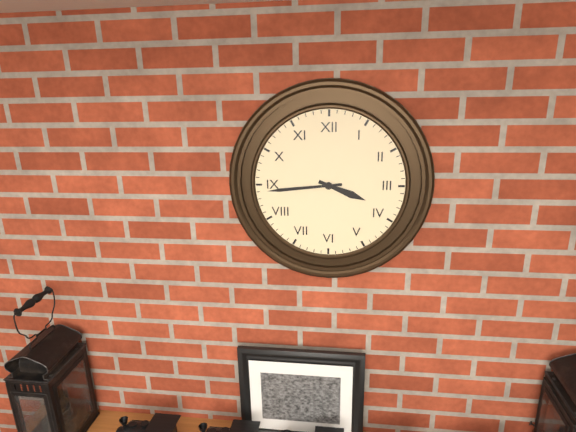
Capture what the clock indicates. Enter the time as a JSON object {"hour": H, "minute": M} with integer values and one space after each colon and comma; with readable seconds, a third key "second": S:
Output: {"hour": 3, "minute": 44}
